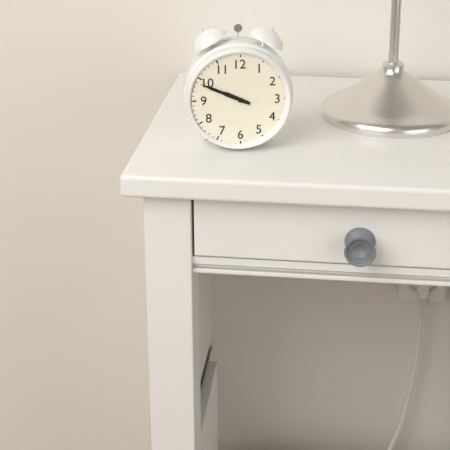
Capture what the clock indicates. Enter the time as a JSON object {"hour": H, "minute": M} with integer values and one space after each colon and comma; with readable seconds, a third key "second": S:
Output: {"hour": 9, "minute": 49}
